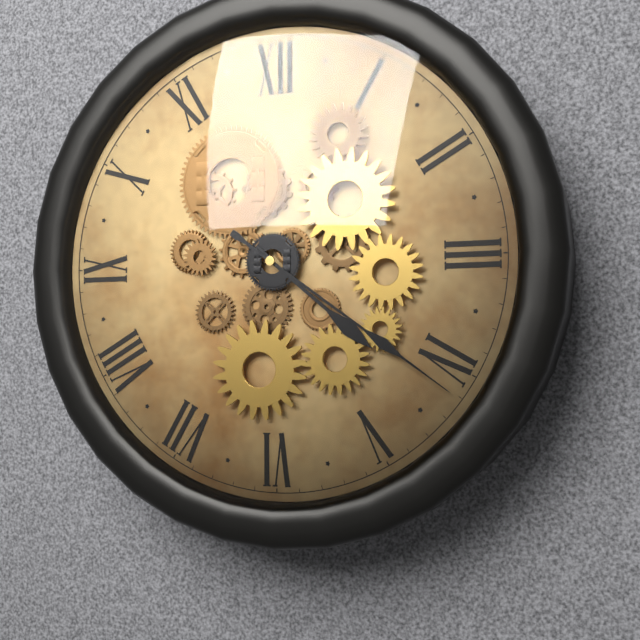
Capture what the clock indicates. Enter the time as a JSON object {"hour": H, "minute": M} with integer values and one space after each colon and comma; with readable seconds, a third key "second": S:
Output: {"hour": 4, "minute": 21}
